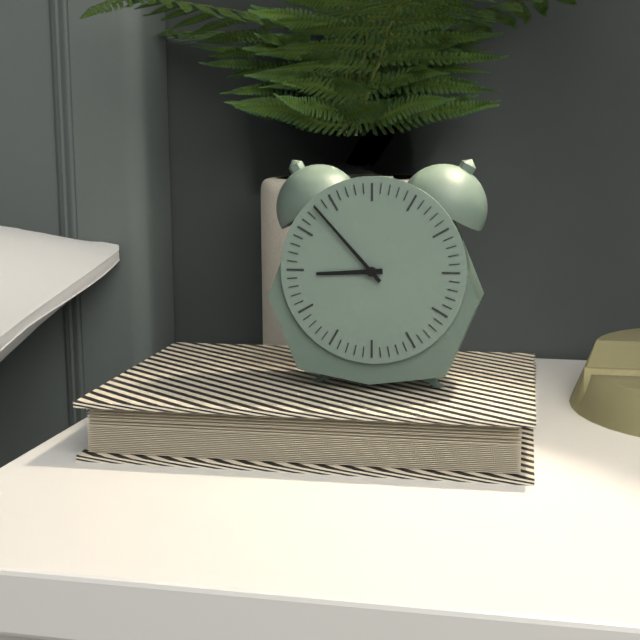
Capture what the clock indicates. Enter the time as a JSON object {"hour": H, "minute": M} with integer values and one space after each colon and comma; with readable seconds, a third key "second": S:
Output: {"hour": 8, "minute": 53}
